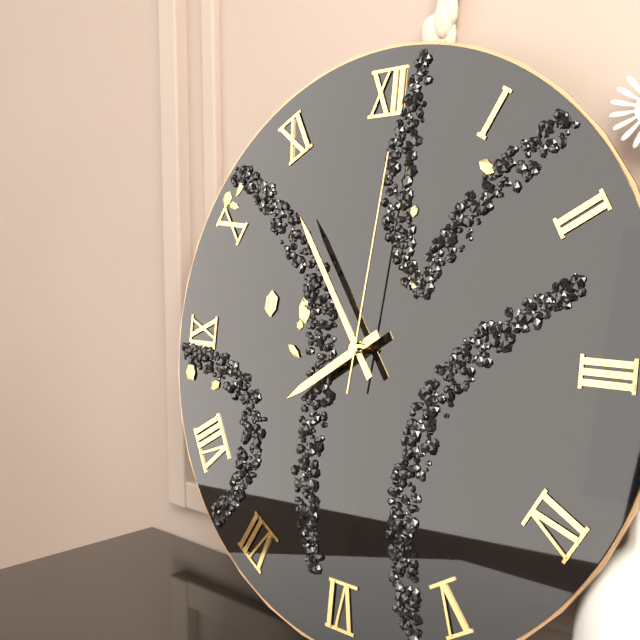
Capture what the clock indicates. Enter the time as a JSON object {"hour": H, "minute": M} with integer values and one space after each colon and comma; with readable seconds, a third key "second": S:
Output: {"hour": 7, "minute": 54, "second": 1}
